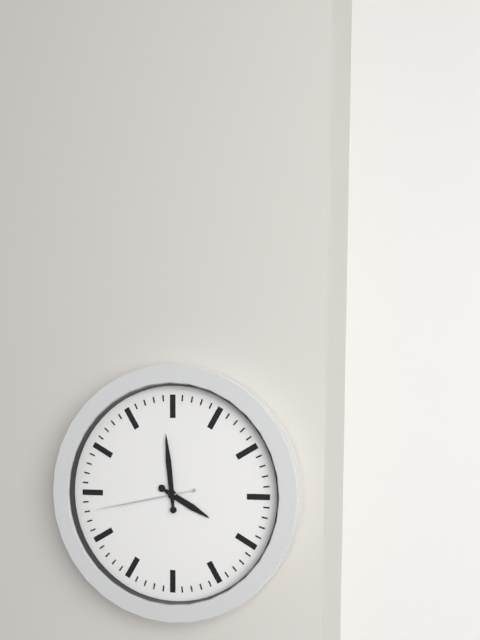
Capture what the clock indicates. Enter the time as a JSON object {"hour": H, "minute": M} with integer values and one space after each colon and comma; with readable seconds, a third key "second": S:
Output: {"hour": 3, "minute": 59, "second": 43}
